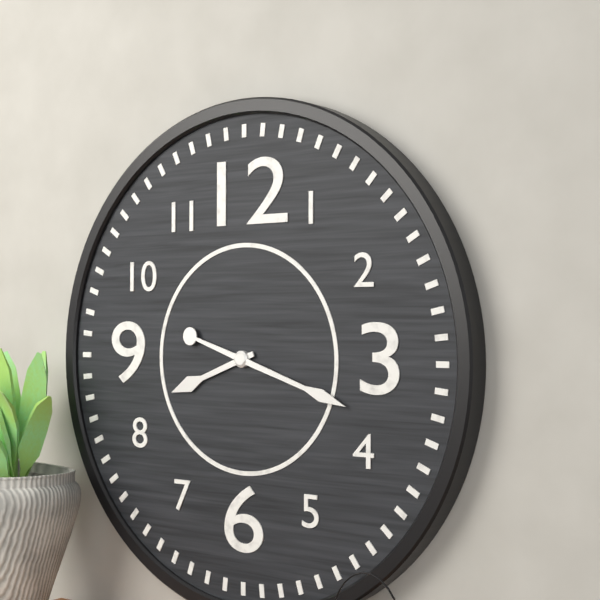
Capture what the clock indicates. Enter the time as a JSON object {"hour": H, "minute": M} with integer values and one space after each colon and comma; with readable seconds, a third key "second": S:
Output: {"hour": 8, "minute": 18}
